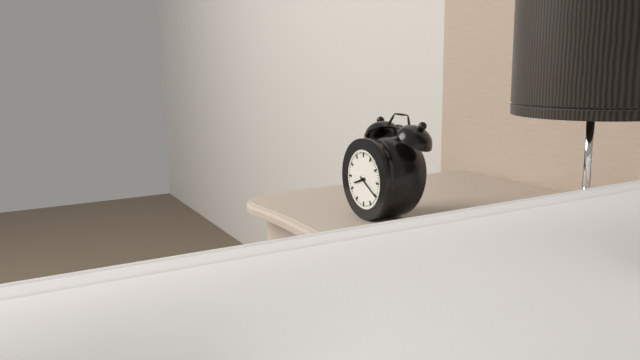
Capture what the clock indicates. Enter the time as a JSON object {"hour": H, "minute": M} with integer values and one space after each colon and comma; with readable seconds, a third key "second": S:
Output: {"hour": 8, "minute": 20}
